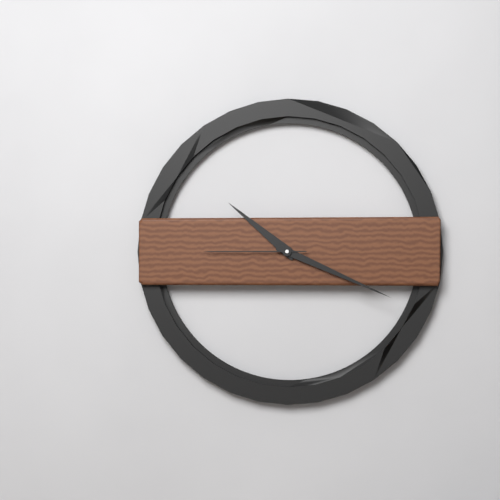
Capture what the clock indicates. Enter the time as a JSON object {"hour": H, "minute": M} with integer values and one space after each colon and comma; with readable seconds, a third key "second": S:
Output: {"hour": 10, "minute": 19, "second": 45}
